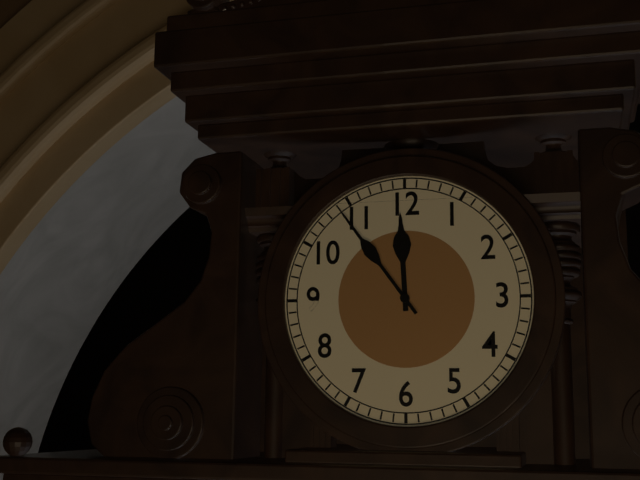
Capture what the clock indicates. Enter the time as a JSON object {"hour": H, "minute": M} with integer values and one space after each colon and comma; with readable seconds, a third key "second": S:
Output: {"hour": 11, "minute": 54}
